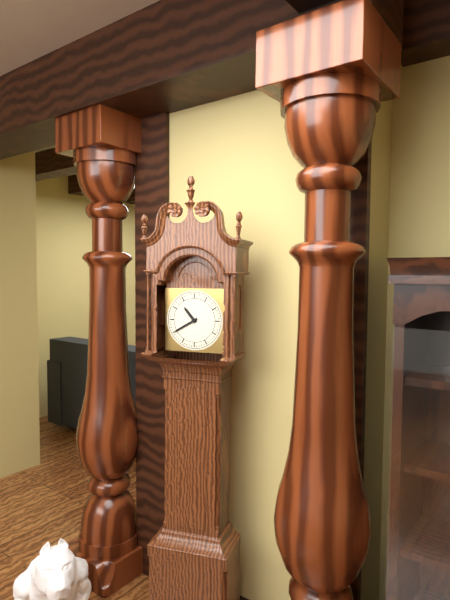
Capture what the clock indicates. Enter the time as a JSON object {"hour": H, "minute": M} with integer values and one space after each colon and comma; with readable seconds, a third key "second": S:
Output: {"hour": 10, "minute": 40}
